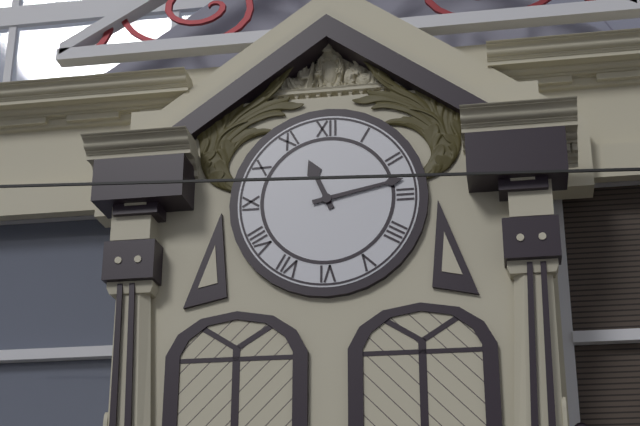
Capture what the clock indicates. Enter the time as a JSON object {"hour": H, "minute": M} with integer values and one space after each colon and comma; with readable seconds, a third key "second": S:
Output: {"hour": 11, "minute": 13}
